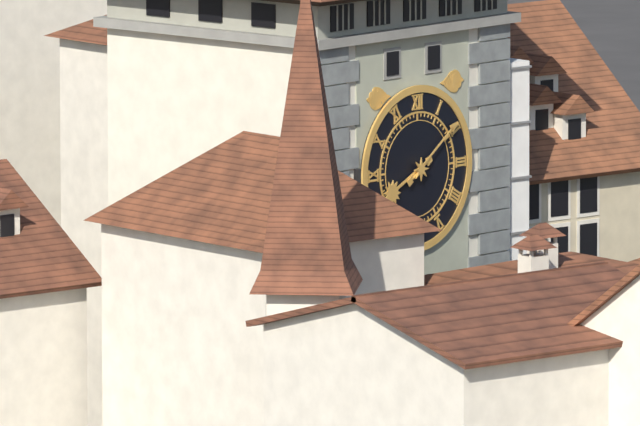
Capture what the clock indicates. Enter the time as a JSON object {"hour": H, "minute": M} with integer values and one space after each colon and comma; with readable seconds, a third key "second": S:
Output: {"hour": 8, "minute": 9}
